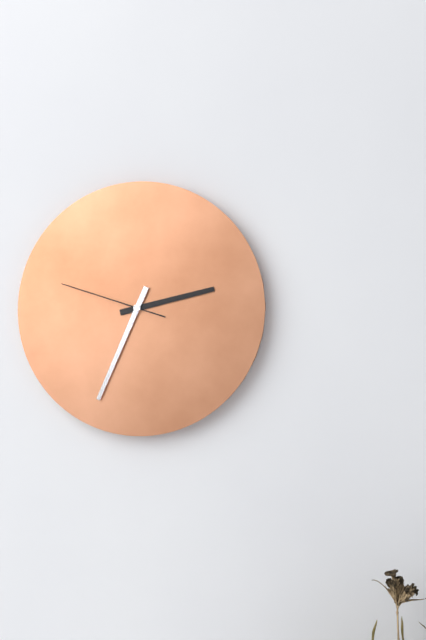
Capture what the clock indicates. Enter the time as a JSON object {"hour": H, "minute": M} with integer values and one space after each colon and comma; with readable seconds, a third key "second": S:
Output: {"hour": 2, "minute": 34, "second": 48}
